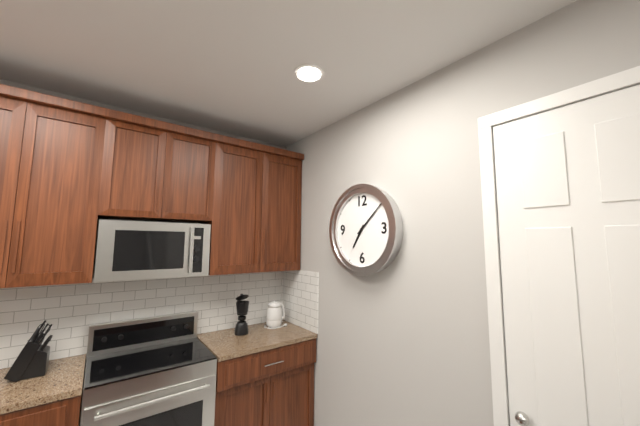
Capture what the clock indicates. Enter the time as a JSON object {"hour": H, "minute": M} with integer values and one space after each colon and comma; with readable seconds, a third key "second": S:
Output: {"hour": 7, "minute": 8}
